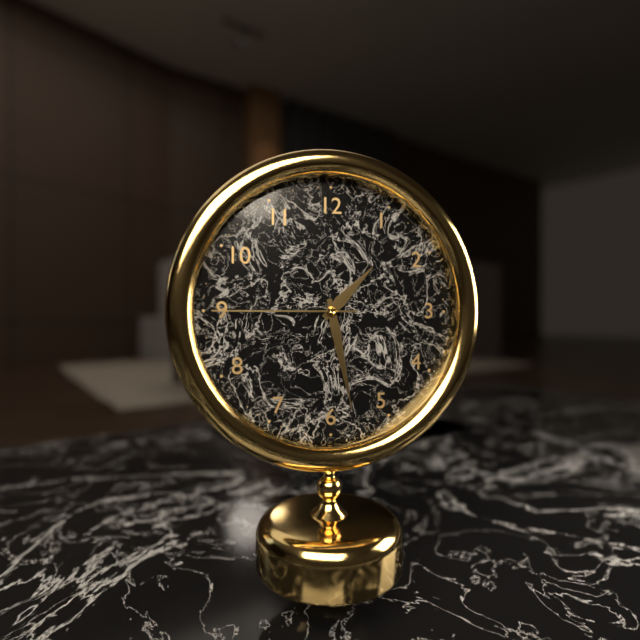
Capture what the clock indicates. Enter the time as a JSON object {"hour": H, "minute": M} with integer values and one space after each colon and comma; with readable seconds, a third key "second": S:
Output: {"hour": 1, "minute": 28, "second": 45}
